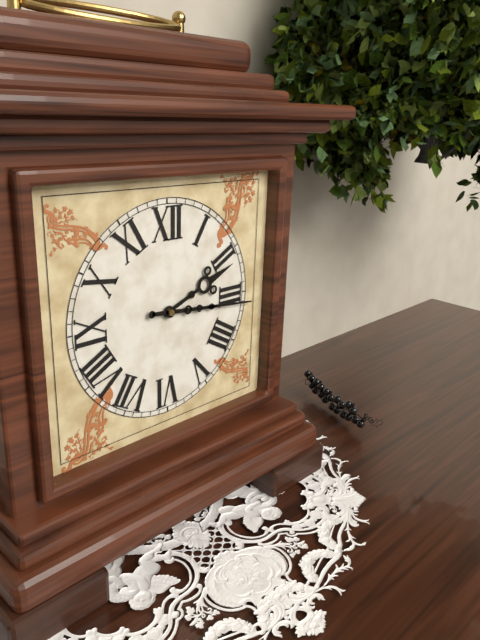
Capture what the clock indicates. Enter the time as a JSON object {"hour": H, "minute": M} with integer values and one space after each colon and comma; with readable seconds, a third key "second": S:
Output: {"hour": 2, "minute": 16}
